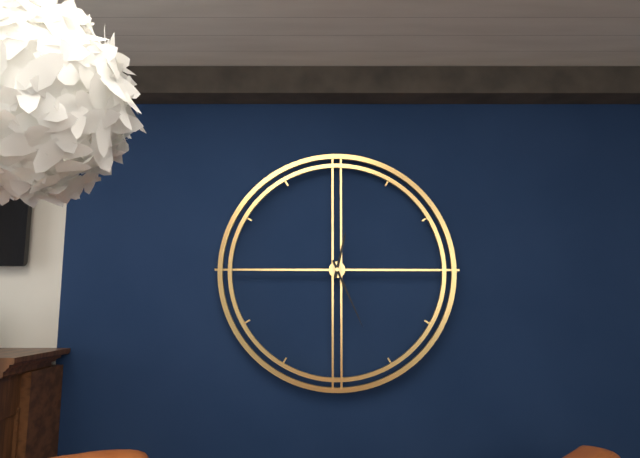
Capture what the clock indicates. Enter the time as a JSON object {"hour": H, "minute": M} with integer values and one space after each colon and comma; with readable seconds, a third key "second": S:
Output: {"hour": 12, "minute": 26}
